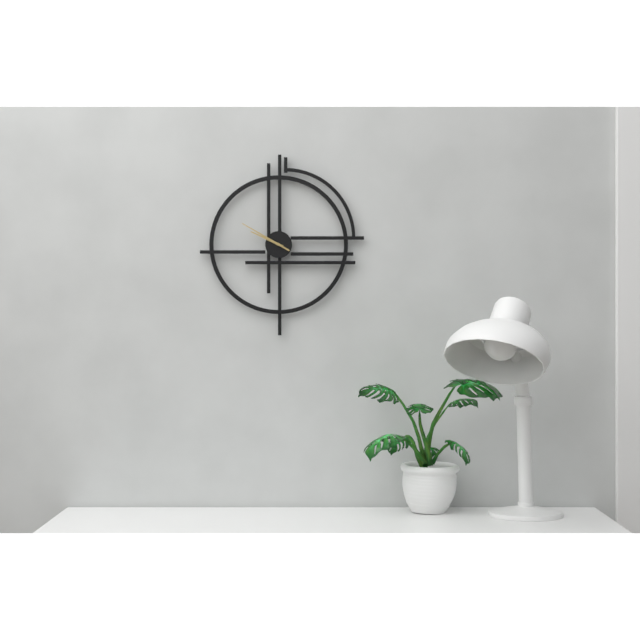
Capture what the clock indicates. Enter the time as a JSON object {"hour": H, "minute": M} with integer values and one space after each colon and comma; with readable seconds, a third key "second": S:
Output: {"hour": 9, "minute": 50}
